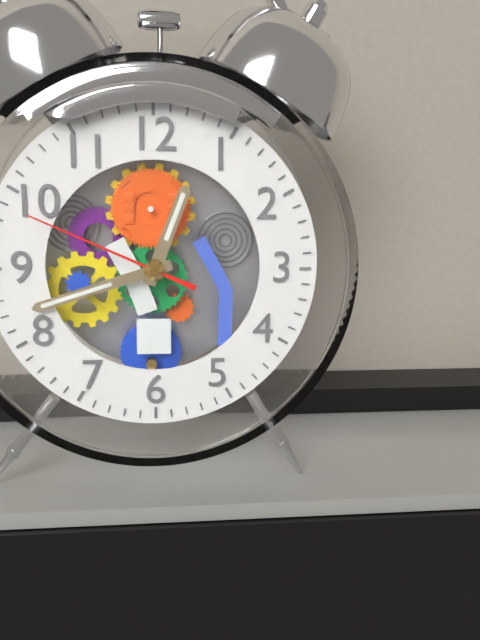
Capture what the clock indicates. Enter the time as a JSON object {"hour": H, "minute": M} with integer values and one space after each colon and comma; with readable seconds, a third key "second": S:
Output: {"hour": 12, "minute": 42, "second": 49}
